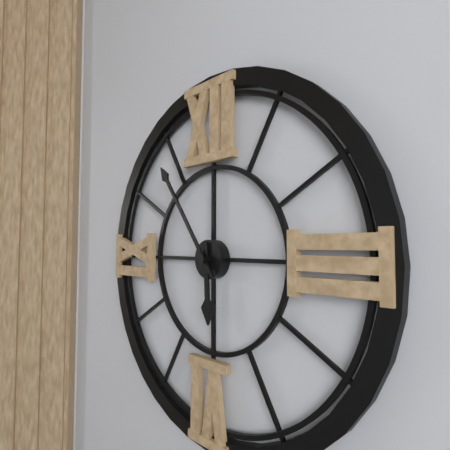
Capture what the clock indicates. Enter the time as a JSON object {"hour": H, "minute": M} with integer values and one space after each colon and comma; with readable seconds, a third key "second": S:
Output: {"hour": 5, "minute": 54}
